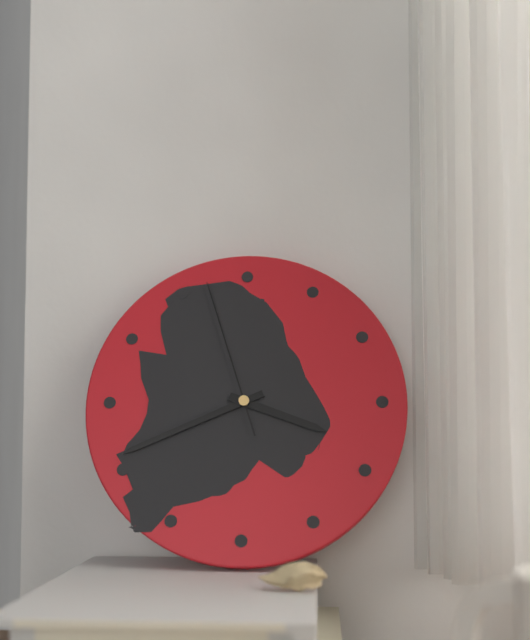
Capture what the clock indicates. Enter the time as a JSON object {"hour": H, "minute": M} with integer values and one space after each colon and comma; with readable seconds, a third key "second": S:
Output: {"hour": 3, "minute": 41, "second": 57}
